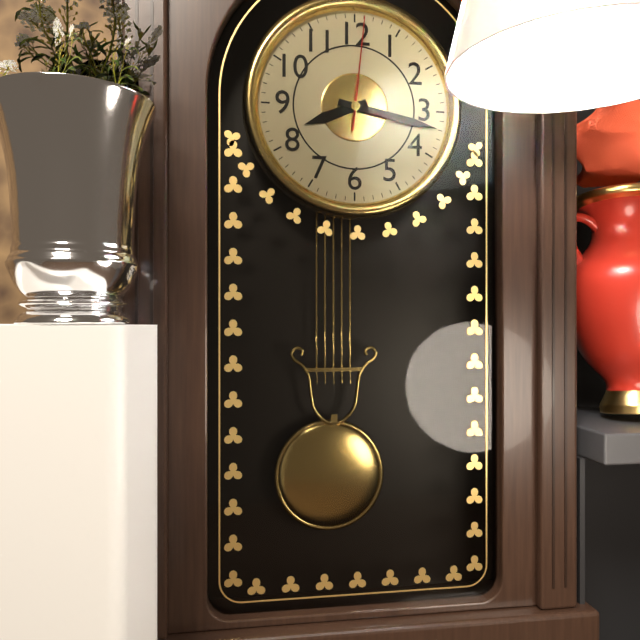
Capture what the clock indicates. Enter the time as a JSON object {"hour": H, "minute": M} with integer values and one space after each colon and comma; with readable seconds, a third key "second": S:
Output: {"hour": 8, "minute": 17, "second": 1}
